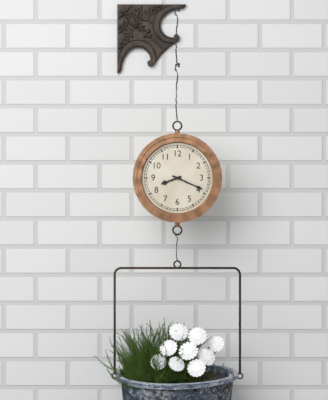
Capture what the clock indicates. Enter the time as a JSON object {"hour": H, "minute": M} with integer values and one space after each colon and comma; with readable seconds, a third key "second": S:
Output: {"hour": 8, "minute": 19}
